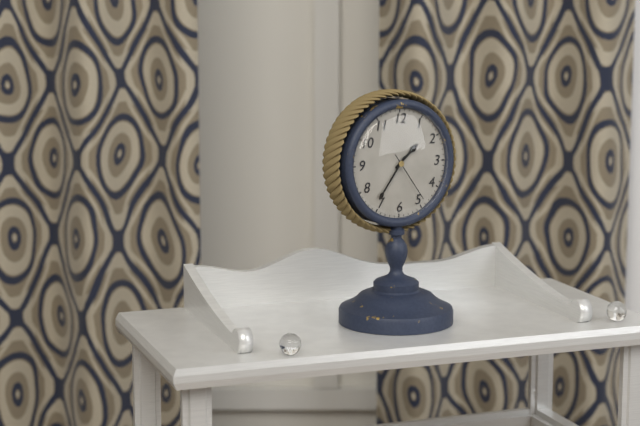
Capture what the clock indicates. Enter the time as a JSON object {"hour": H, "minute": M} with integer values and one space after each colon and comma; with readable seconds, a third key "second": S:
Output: {"hour": 1, "minute": 36, "second": 24}
